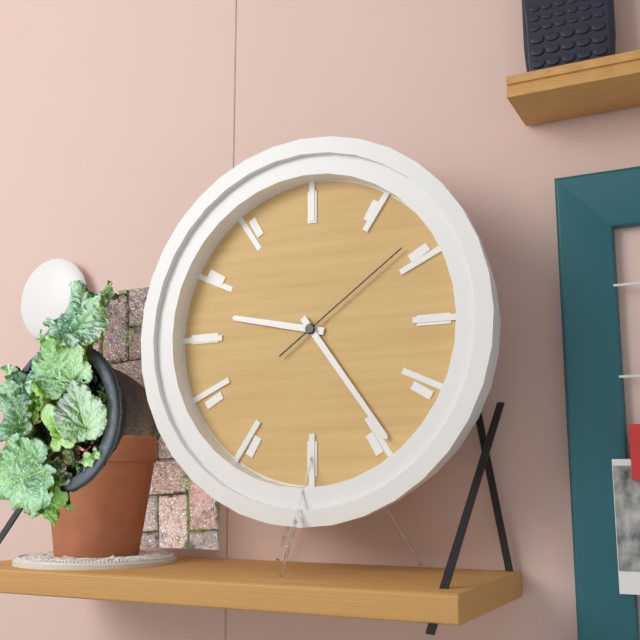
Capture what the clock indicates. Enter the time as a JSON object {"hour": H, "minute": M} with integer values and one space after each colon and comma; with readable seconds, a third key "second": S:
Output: {"hour": 9, "minute": 24, "second": 9}
